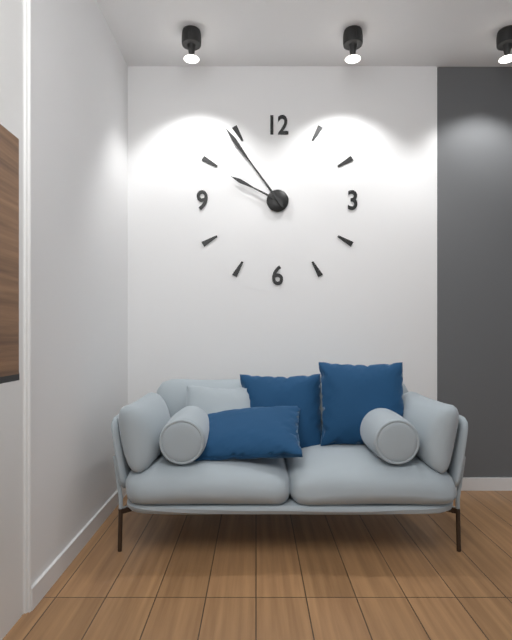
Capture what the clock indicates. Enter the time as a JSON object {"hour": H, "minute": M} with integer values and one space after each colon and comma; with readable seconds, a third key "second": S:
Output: {"hour": 9, "minute": 54}
